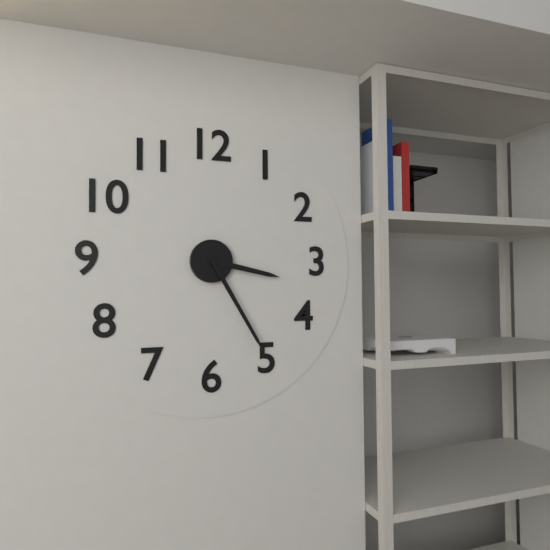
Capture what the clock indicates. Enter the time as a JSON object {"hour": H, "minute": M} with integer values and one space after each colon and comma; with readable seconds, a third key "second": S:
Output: {"hour": 3, "minute": 25}
